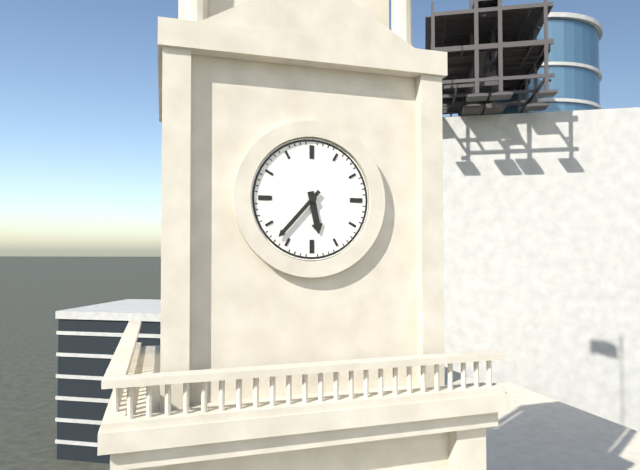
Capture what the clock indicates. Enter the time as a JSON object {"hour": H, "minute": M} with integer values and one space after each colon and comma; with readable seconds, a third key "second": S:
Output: {"hour": 5, "minute": 37}
